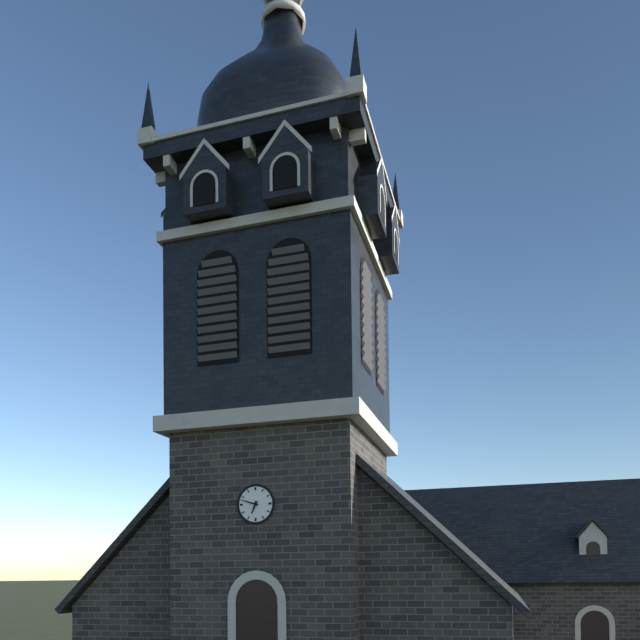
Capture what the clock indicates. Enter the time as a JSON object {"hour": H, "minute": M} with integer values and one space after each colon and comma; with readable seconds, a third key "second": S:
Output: {"hour": 6, "minute": 48}
